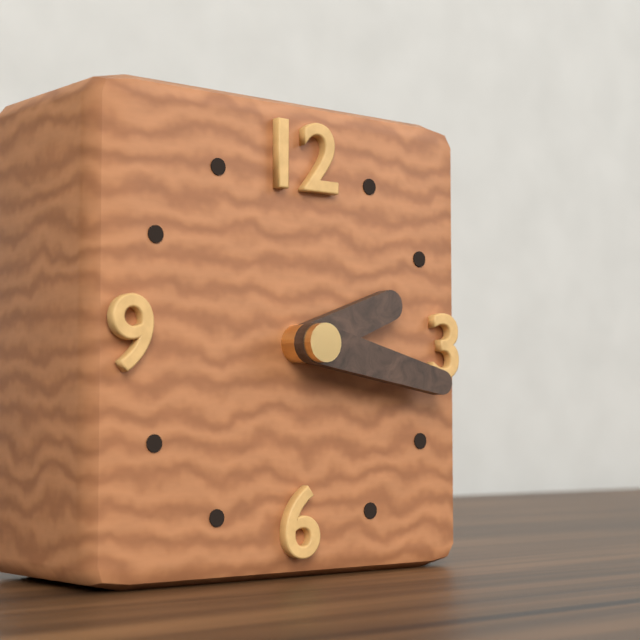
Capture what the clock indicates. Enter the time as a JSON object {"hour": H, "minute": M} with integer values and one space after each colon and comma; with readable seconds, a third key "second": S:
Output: {"hour": 2, "minute": 17}
